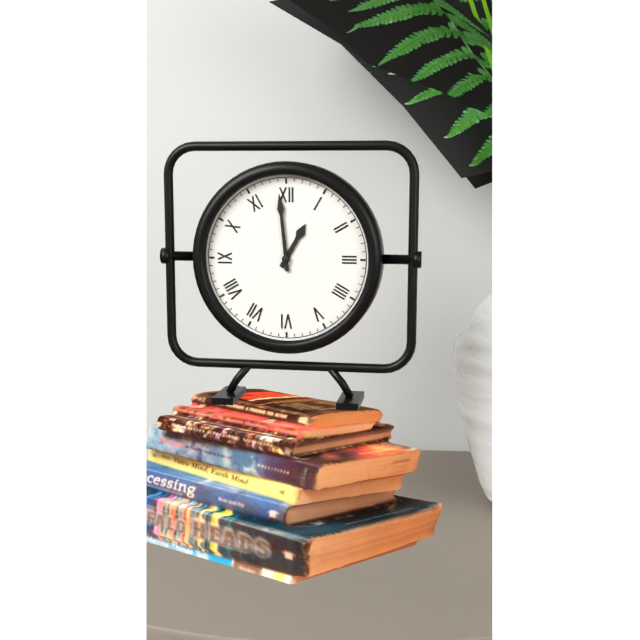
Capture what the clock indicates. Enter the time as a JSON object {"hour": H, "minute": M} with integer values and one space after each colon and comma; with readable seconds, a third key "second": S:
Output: {"hour": 12, "minute": 59}
